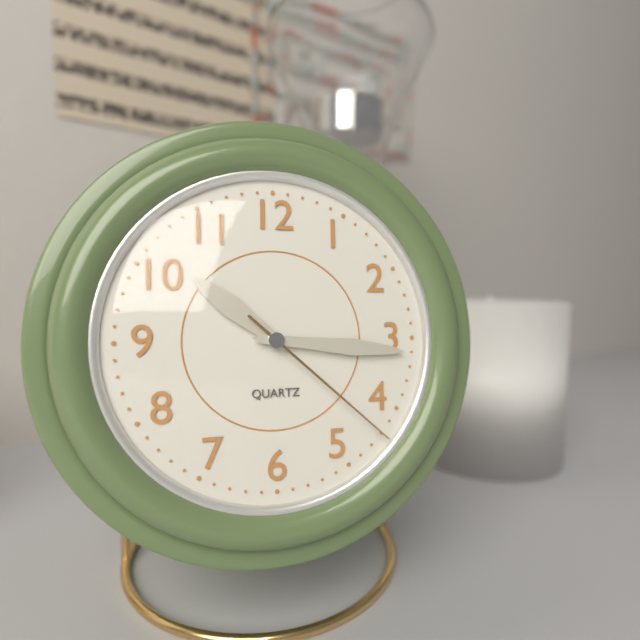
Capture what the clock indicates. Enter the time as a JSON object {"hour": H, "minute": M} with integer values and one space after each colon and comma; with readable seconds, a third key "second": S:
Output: {"hour": 10, "minute": 16, "second": 22}
